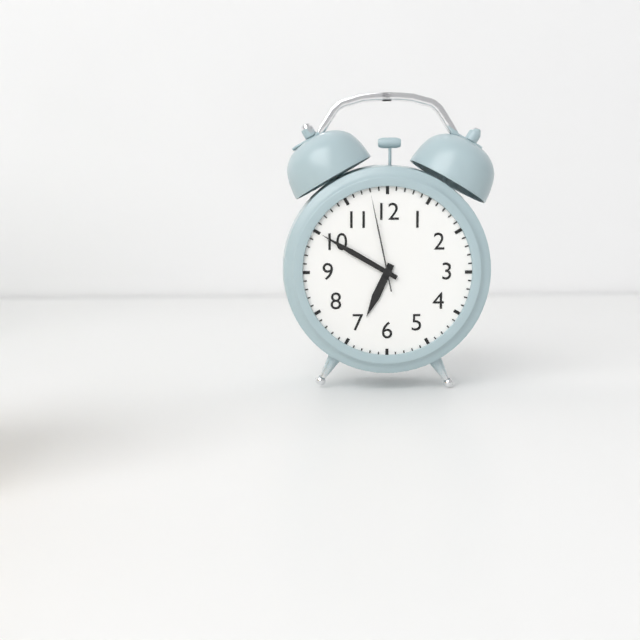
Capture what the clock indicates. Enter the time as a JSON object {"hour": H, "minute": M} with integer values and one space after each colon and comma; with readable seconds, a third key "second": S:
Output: {"hour": 6, "minute": 50, "second": 58}
